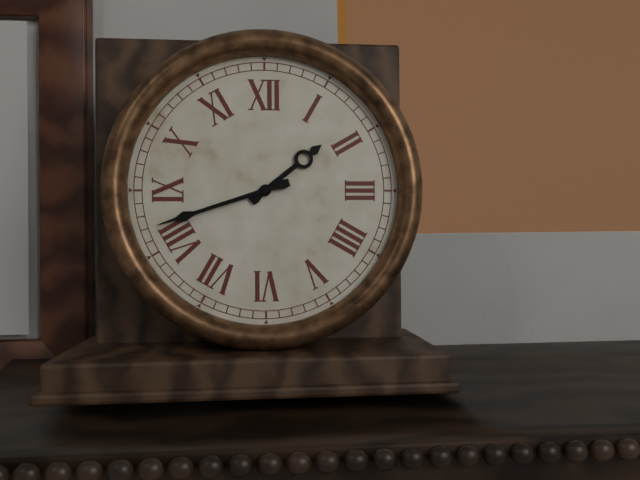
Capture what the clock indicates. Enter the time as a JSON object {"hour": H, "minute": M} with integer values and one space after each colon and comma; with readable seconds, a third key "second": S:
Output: {"hour": 1, "minute": 42}
